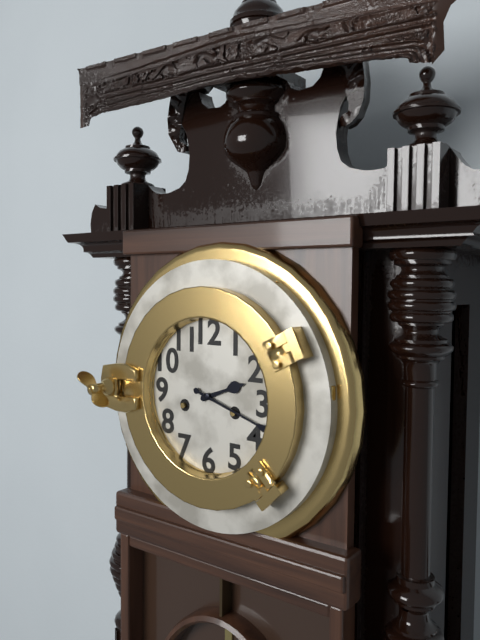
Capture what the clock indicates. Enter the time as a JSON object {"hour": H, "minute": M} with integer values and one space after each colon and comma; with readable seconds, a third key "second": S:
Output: {"hour": 2, "minute": 18}
